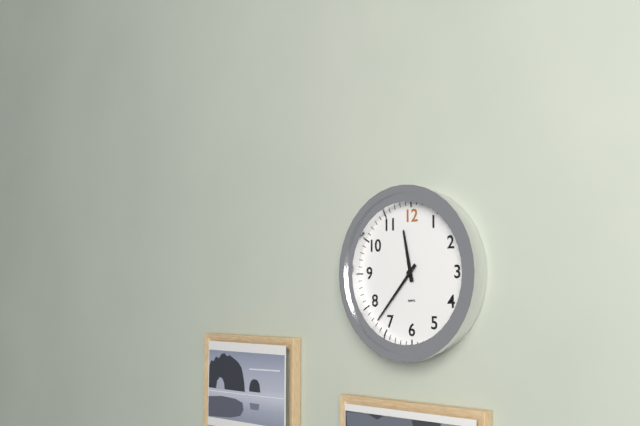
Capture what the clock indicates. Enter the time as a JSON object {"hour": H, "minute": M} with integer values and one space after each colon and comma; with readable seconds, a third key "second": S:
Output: {"hour": 11, "minute": 37}
